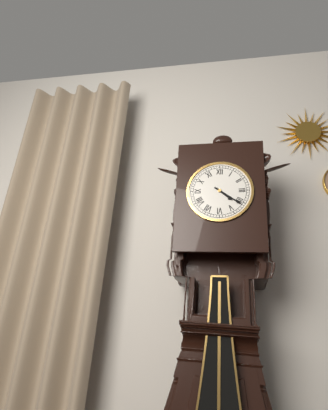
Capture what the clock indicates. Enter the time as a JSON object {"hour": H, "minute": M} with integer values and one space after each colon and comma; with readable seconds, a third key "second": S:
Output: {"hour": 4, "minute": 21}
